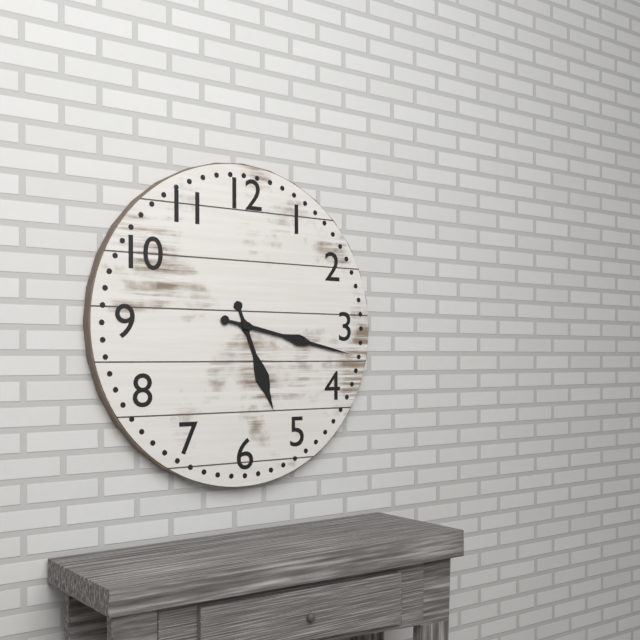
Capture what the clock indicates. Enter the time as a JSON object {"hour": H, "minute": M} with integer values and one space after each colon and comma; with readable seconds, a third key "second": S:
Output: {"hour": 5, "minute": 17}
